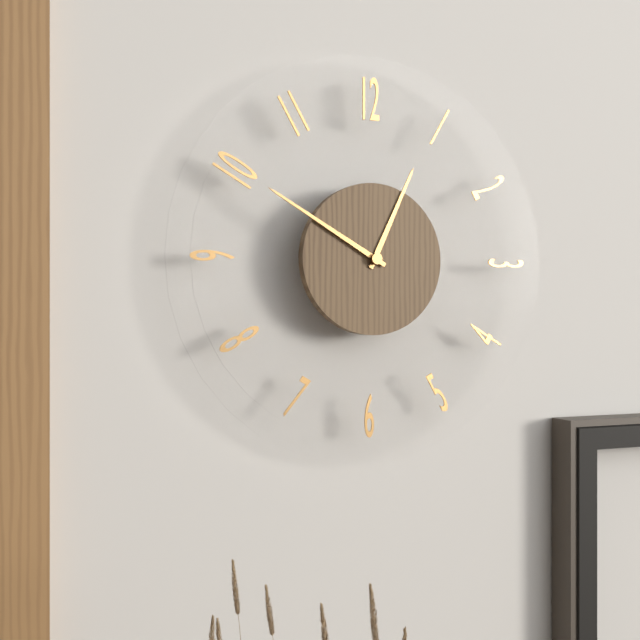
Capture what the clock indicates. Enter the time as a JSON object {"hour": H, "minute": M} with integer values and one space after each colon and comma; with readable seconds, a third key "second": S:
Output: {"hour": 12, "minute": 50}
